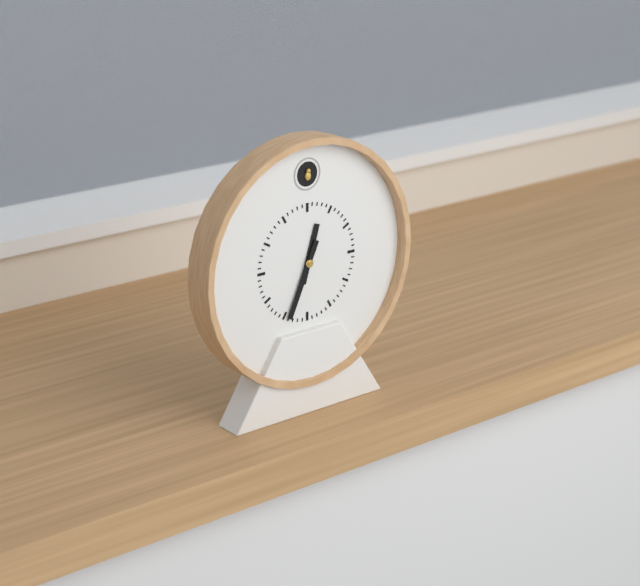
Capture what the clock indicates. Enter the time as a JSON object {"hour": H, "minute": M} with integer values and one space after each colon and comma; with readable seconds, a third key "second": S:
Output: {"hour": 12, "minute": 34}
